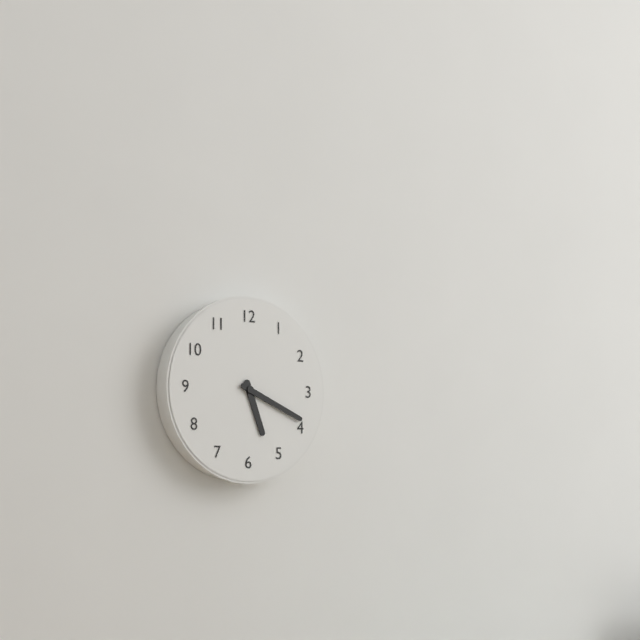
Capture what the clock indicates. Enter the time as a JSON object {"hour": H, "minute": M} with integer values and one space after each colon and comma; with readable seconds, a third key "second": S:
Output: {"hour": 5, "minute": 19}
